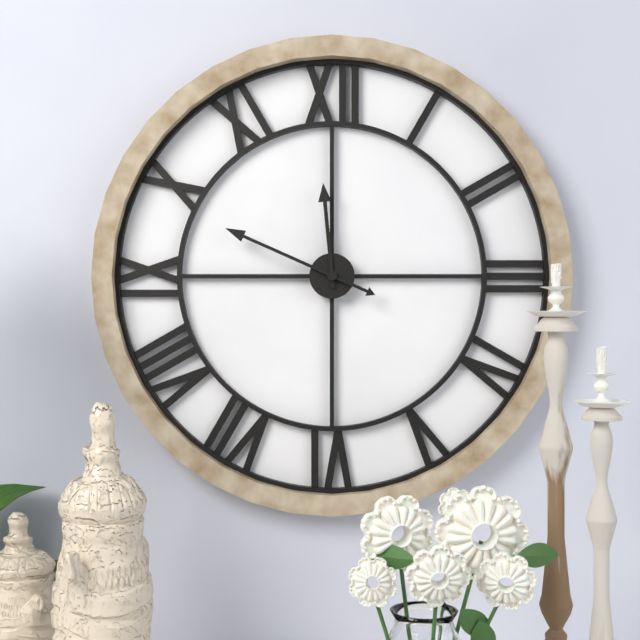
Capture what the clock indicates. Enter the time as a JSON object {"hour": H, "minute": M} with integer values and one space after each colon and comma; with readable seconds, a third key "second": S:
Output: {"hour": 11, "minute": 49}
